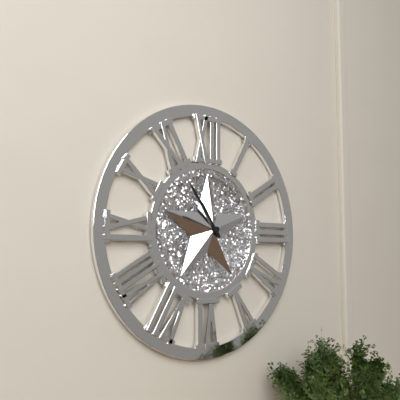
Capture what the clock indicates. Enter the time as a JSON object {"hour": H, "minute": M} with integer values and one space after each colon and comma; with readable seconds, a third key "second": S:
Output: {"hour": 10, "minute": 54}
